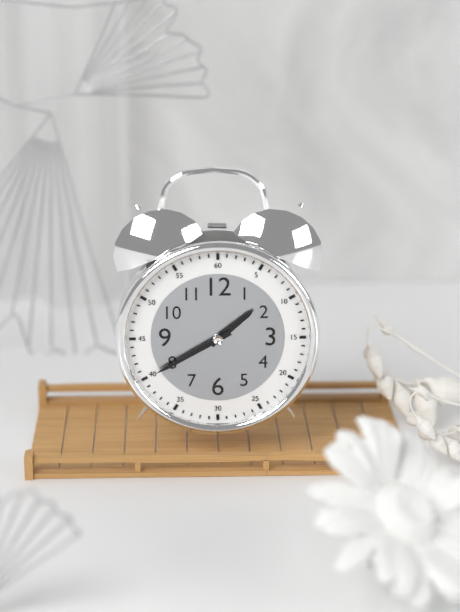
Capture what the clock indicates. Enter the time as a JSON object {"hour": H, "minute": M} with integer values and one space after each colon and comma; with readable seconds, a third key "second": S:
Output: {"hour": 1, "minute": 40}
